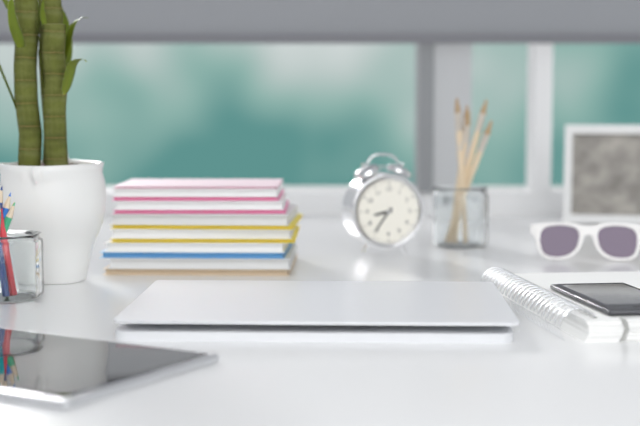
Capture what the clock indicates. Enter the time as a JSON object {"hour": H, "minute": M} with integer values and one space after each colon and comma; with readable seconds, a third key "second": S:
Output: {"hour": 8, "minute": 36}
